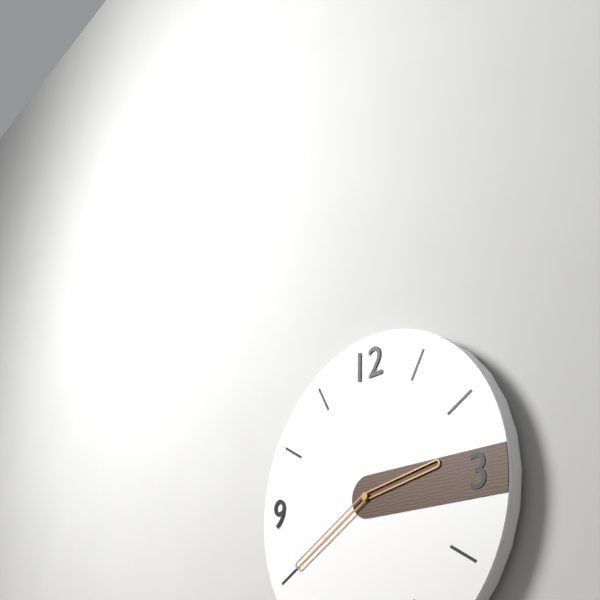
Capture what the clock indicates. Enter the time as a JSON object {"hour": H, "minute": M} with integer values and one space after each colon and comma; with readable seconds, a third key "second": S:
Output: {"hour": 2, "minute": 40}
